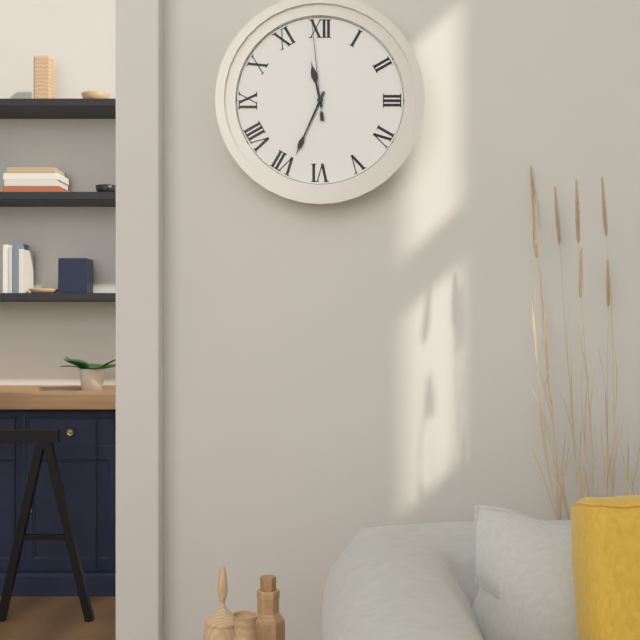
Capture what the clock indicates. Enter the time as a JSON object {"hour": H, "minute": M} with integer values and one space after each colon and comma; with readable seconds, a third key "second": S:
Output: {"hour": 11, "minute": 34, "second": 59}
